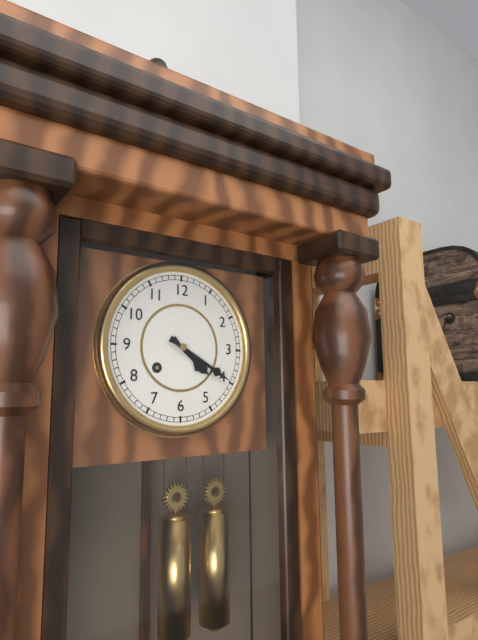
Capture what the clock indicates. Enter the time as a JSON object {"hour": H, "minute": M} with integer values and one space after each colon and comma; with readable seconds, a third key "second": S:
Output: {"hour": 4, "minute": 20}
